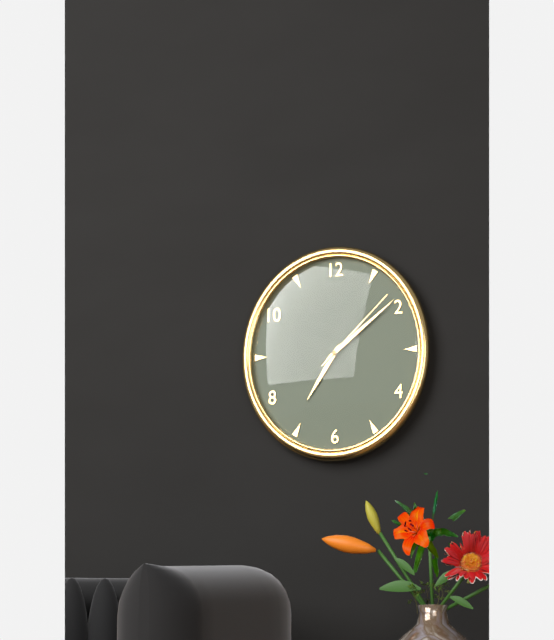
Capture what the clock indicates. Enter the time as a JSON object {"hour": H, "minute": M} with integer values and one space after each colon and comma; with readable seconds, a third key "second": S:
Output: {"hour": 7, "minute": 9, "second": 8}
